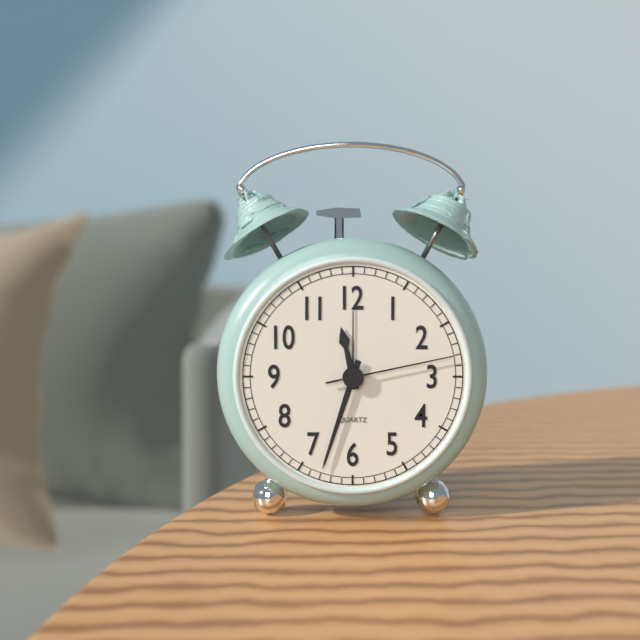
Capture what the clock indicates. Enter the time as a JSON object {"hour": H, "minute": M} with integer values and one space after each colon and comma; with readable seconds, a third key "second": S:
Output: {"hour": 11, "minute": 33, "second": 13}
